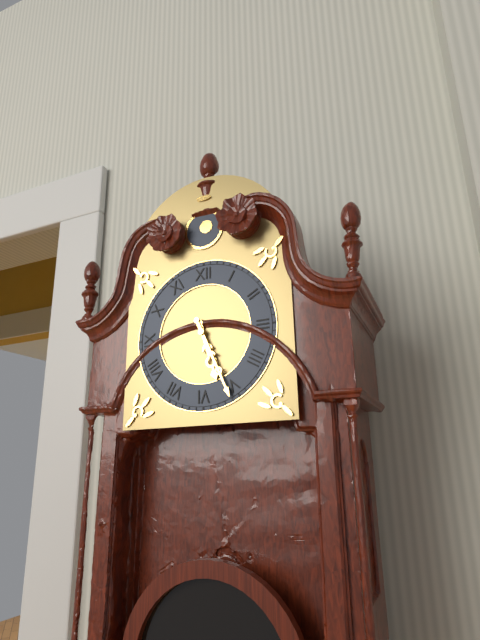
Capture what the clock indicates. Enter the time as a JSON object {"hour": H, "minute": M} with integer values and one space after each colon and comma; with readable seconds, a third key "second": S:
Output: {"hour": 5, "minute": 26}
